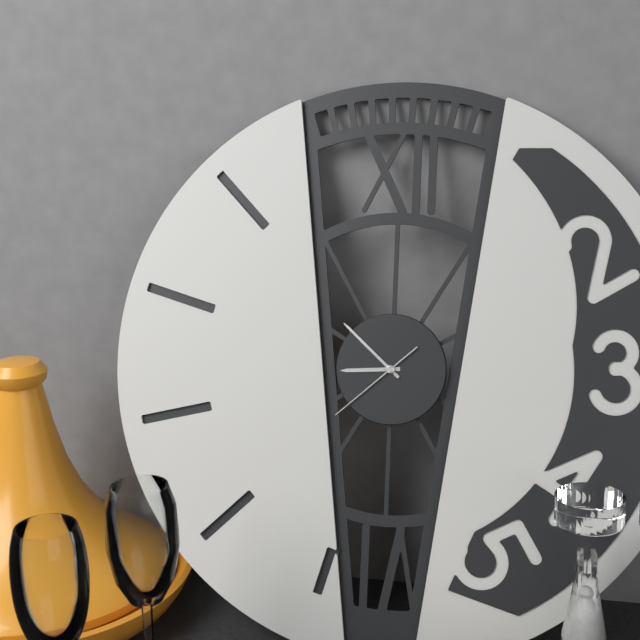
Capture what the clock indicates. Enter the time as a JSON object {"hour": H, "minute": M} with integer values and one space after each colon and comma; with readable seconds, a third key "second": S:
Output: {"hour": 8, "minute": 52, "second": 38}
